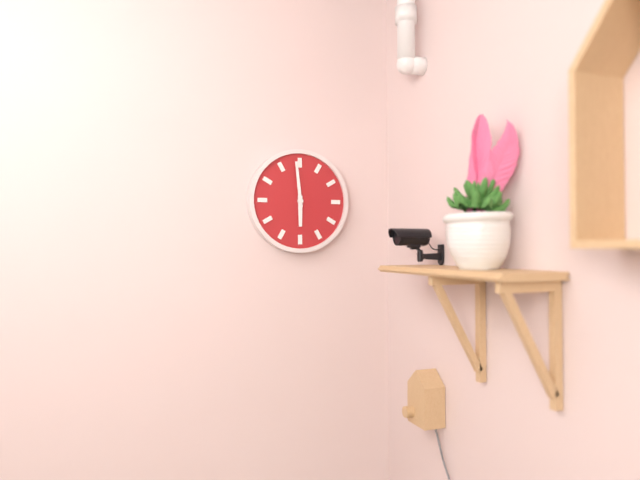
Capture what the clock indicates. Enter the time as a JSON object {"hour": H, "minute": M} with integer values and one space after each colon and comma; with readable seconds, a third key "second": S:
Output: {"hour": 5, "minute": 59}
